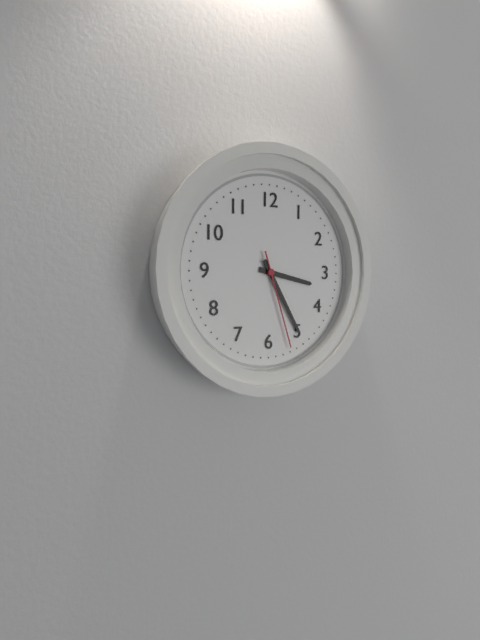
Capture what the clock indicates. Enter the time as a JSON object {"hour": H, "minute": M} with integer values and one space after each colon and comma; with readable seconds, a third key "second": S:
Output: {"hour": 3, "minute": 25, "second": 27}
